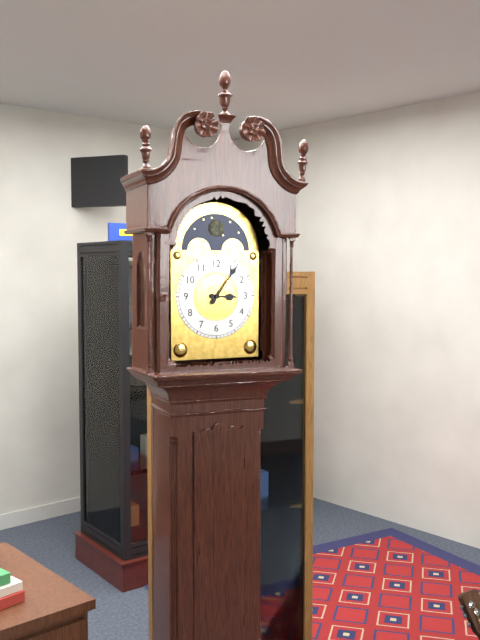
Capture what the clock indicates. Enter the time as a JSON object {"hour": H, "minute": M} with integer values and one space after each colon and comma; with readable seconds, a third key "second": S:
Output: {"hour": 3, "minute": 6}
